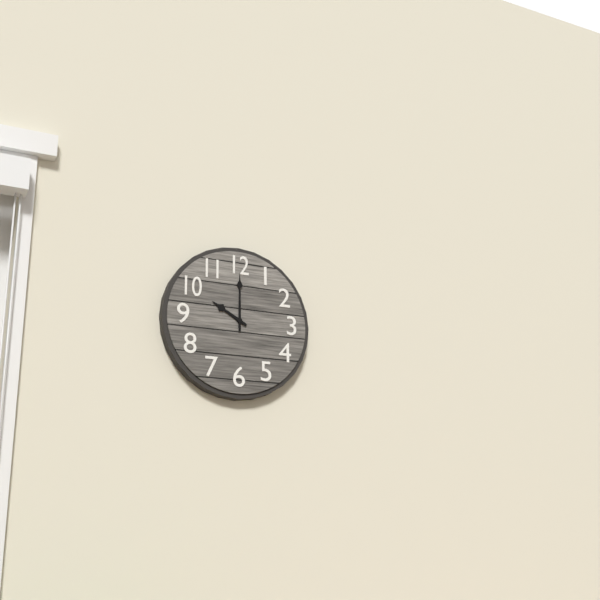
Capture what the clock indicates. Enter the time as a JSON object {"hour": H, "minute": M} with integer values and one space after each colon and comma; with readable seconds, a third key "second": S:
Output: {"hour": 10, "minute": 0}
